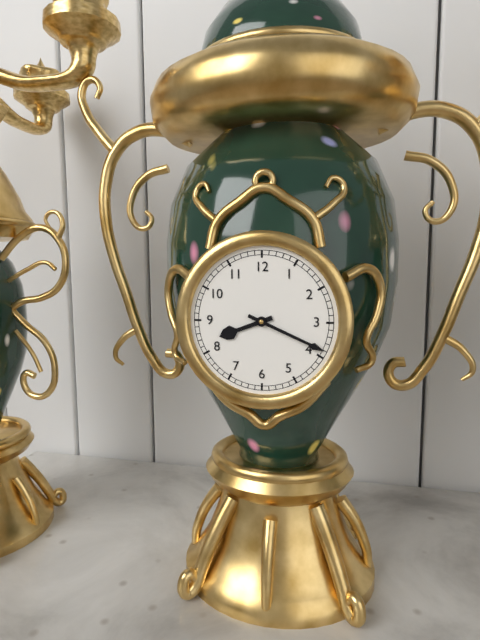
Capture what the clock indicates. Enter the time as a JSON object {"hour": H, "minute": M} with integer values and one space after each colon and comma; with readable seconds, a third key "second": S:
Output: {"hour": 8, "minute": 19}
